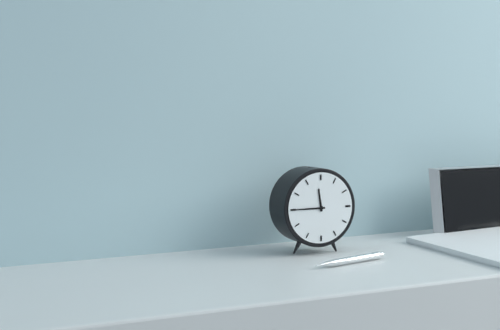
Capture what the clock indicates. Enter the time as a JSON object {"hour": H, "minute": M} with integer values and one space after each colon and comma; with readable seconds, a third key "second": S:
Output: {"hour": 11, "minute": 45}
